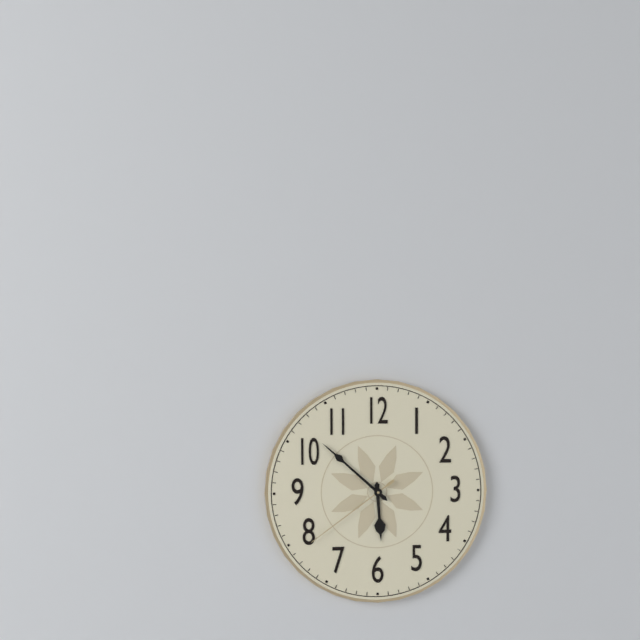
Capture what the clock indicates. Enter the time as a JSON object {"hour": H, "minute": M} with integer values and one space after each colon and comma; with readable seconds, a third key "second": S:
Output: {"hour": 5, "minute": 52, "second": 39}
